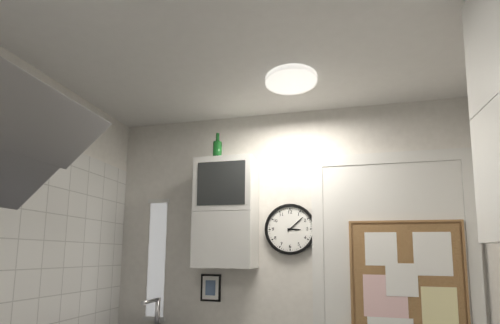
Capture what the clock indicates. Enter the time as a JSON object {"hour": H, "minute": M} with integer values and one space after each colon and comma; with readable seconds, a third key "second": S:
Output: {"hour": 3, "minute": 8}
